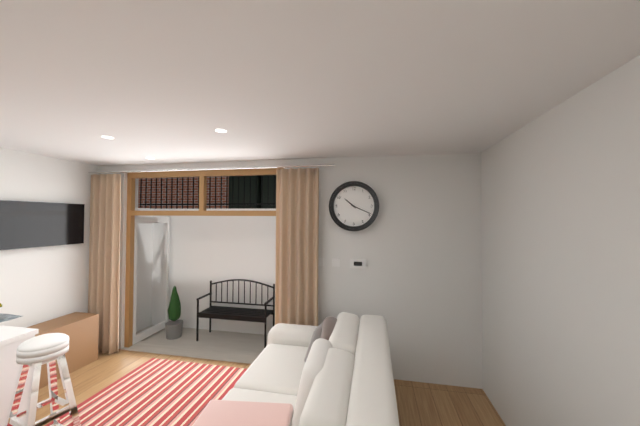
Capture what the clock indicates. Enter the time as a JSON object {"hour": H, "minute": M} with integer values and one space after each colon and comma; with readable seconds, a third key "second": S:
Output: {"hour": 10, "minute": 19}
